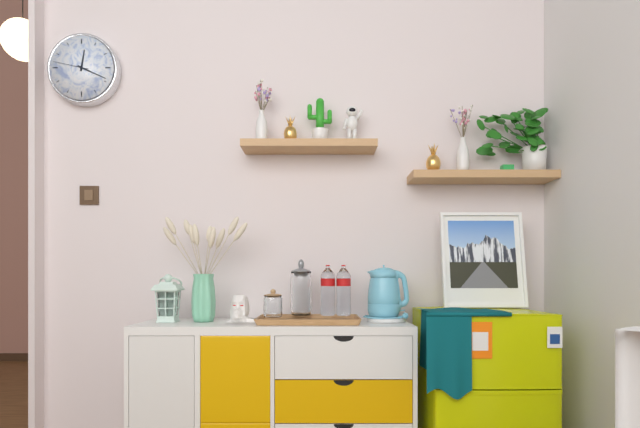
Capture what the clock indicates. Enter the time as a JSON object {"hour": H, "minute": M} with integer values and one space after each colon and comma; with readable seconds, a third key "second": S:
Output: {"hour": 12, "minute": 19}
